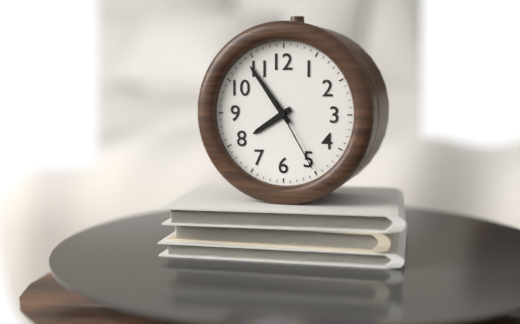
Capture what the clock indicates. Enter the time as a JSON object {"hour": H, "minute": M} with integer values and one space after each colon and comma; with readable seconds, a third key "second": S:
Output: {"hour": 7, "minute": 54, "second": 25}
